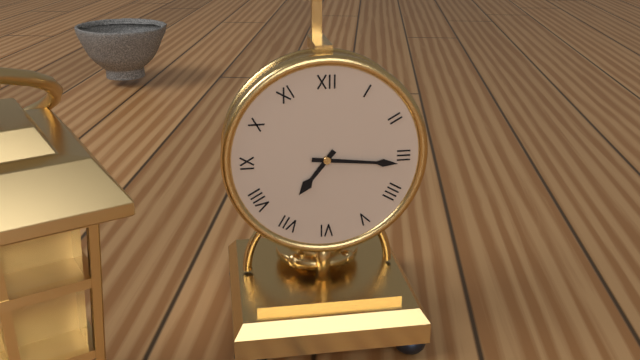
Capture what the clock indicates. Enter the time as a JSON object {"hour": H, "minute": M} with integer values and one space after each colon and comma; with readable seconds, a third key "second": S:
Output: {"hour": 7, "minute": 16}
